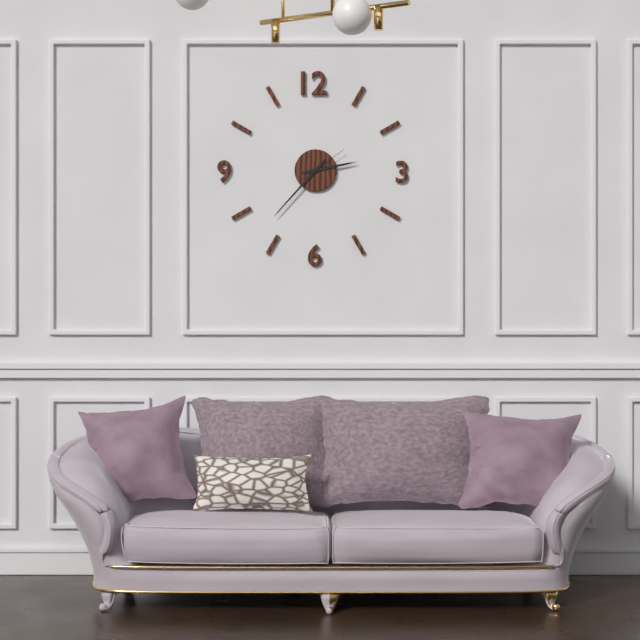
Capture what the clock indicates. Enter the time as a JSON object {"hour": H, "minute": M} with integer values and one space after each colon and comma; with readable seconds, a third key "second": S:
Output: {"hour": 2, "minute": 37}
